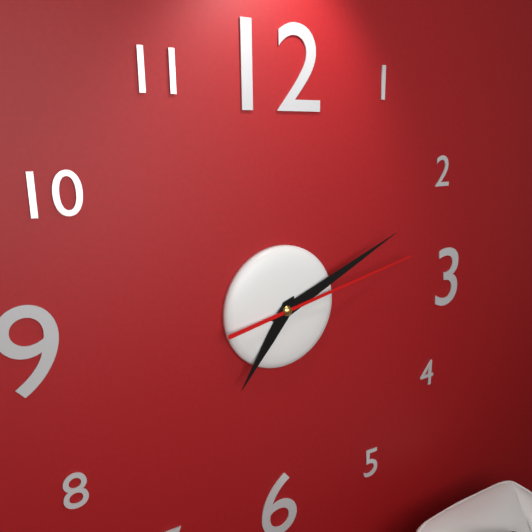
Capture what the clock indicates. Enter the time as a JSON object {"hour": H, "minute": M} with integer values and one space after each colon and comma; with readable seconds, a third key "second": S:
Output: {"hour": 7, "minute": 11, "second": 13}
